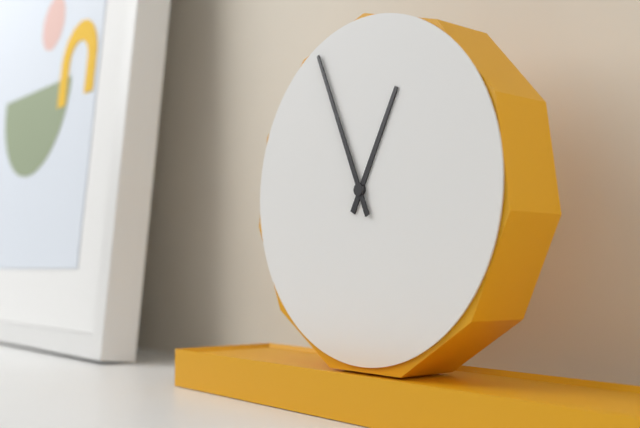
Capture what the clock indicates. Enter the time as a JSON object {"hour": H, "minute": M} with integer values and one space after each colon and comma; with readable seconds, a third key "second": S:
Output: {"hour": 12, "minute": 56}
